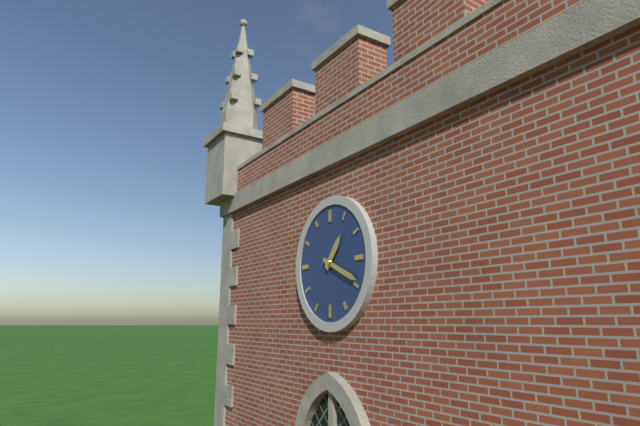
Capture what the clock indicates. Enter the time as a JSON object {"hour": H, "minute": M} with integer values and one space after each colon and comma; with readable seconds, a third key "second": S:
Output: {"hour": 1, "minute": 19}
